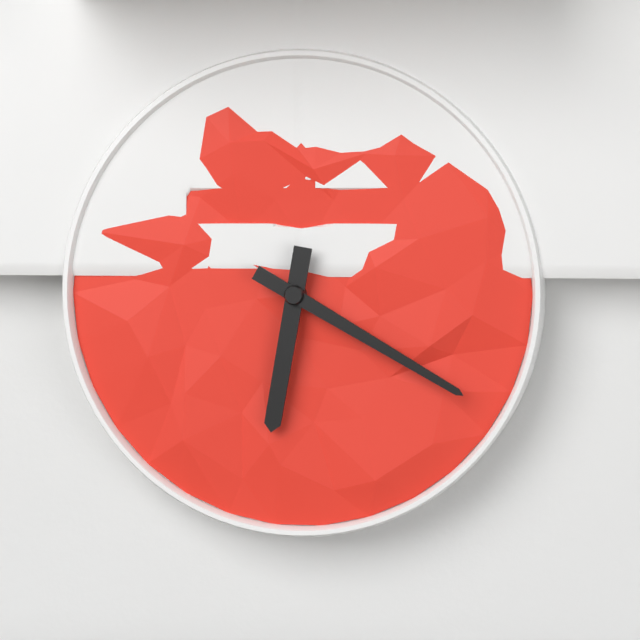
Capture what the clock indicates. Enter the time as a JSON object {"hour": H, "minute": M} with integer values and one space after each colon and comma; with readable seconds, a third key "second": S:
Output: {"hour": 6, "minute": 20}
